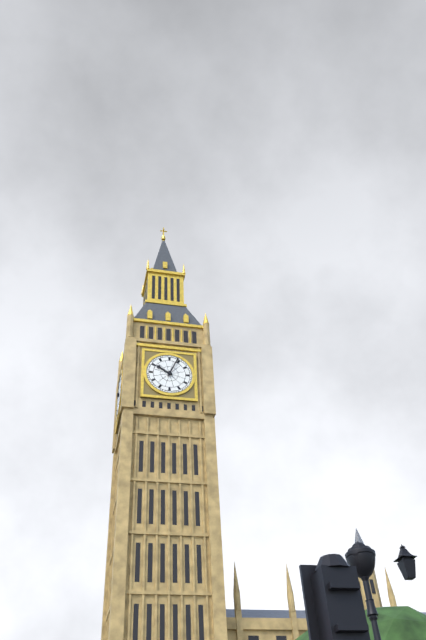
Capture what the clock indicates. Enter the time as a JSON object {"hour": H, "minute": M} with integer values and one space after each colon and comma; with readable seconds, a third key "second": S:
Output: {"hour": 10, "minute": 4}
